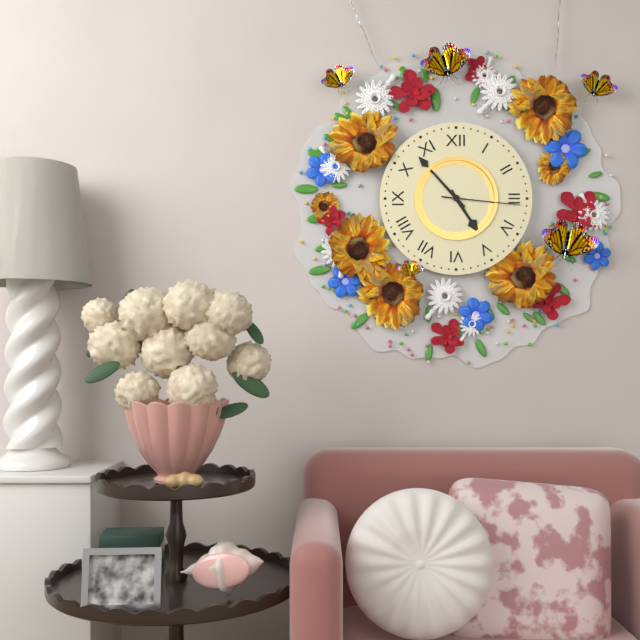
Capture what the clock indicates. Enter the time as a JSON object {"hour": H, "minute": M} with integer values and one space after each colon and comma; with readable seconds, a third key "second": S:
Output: {"hour": 4, "minute": 53, "second": 16}
